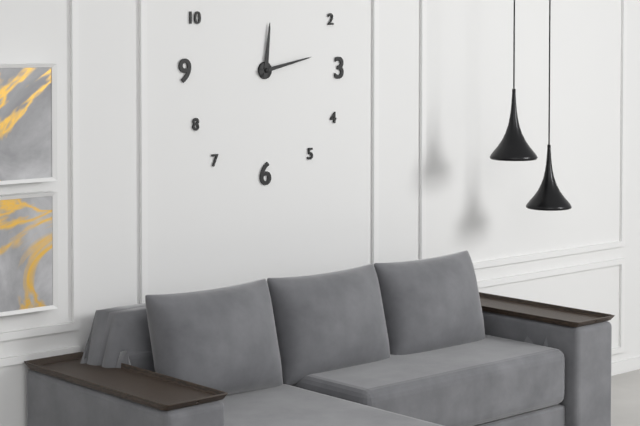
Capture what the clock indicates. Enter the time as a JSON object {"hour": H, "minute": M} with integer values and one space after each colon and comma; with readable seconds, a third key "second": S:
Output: {"hour": 12, "minute": 13}
